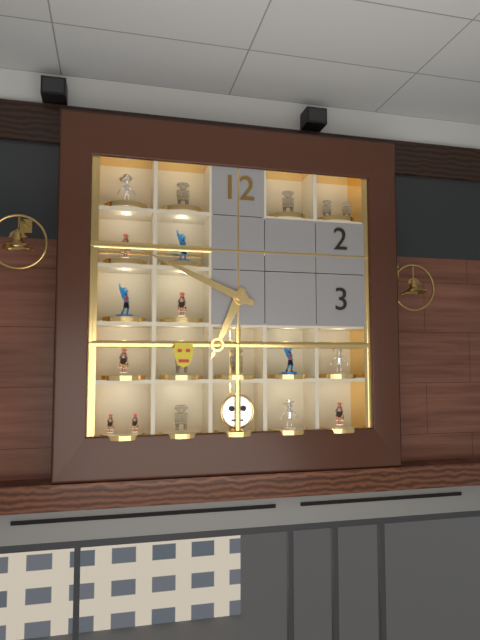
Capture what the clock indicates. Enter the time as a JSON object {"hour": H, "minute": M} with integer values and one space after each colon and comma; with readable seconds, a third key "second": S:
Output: {"hour": 6, "minute": 49}
